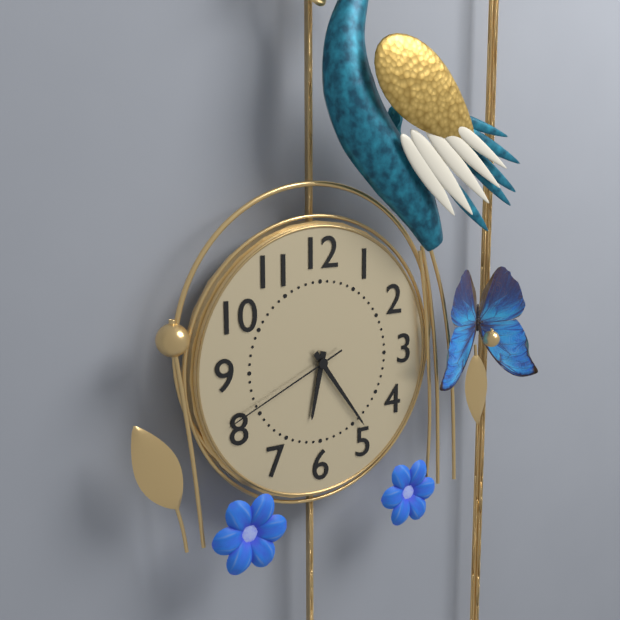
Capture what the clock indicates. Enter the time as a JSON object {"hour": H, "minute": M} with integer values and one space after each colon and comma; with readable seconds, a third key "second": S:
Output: {"hour": 6, "minute": 24, "second": 41}
